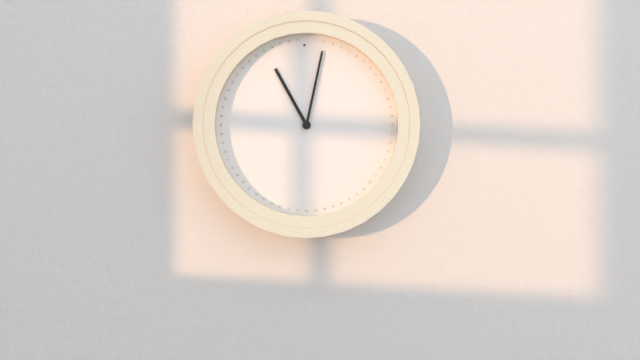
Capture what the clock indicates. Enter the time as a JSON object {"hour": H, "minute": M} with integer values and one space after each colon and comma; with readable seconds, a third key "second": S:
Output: {"hour": 11, "minute": 2}
